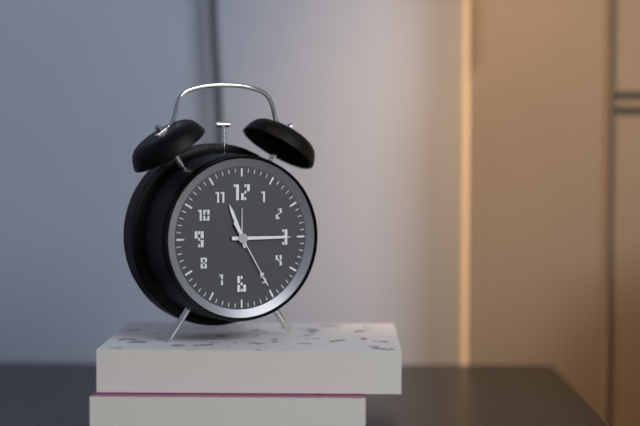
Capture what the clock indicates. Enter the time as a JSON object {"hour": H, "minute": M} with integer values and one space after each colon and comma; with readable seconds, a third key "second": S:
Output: {"hour": 11, "minute": 15, "second": 25}
